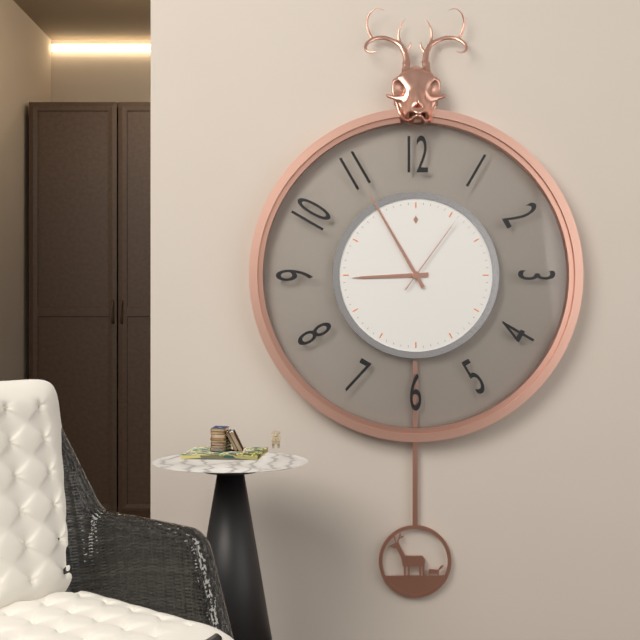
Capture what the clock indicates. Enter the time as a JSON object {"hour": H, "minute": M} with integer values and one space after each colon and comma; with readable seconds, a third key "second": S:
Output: {"hour": 8, "minute": 55, "second": 6}
